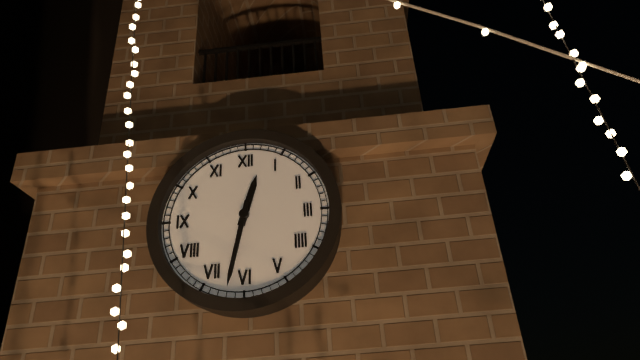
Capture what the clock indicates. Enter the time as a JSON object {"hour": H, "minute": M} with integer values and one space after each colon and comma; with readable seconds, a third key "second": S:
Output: {"hour": 12, "minute": 32}
